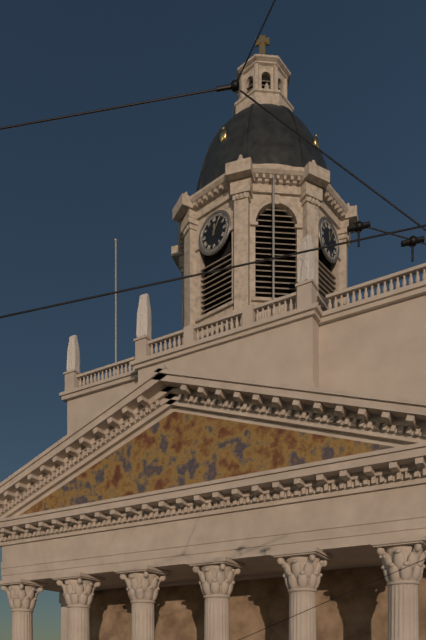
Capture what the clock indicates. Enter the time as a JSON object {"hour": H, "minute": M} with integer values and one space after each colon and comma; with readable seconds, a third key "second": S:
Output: {"hour": 12, "minute": 5}
